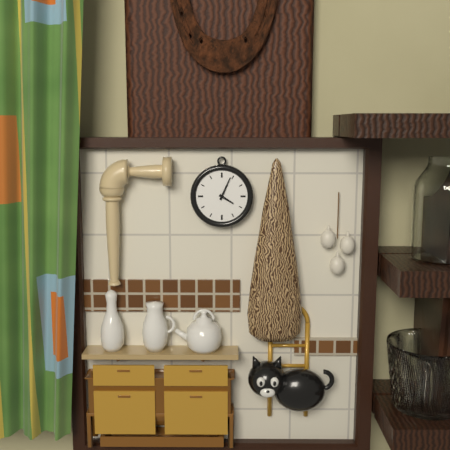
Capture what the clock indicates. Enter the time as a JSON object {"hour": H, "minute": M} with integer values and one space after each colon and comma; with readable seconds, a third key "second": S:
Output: {"hour": 4, "minute": 4}
